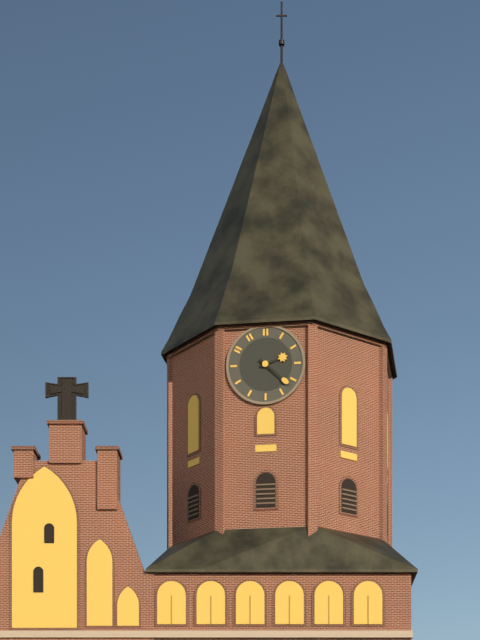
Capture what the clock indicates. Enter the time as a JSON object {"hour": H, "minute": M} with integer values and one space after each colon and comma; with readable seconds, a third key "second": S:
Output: {"hour": 2, "minute": 22}
